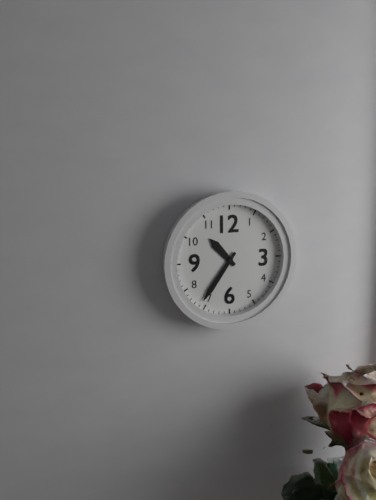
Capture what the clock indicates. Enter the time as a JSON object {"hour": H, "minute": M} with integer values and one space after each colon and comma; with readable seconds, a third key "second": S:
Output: {"hour": 10, "minute": 36}
